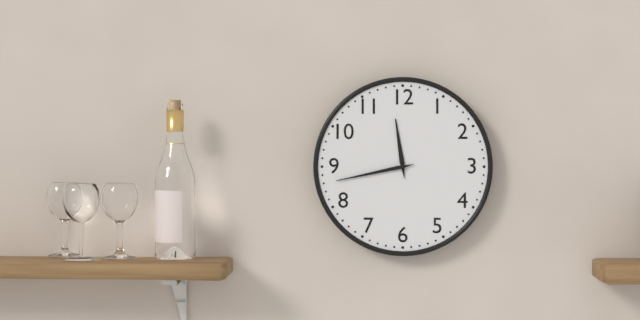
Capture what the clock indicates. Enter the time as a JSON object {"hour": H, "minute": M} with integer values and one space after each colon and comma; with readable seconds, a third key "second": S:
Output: {"hour": 11, "minute": 43}
